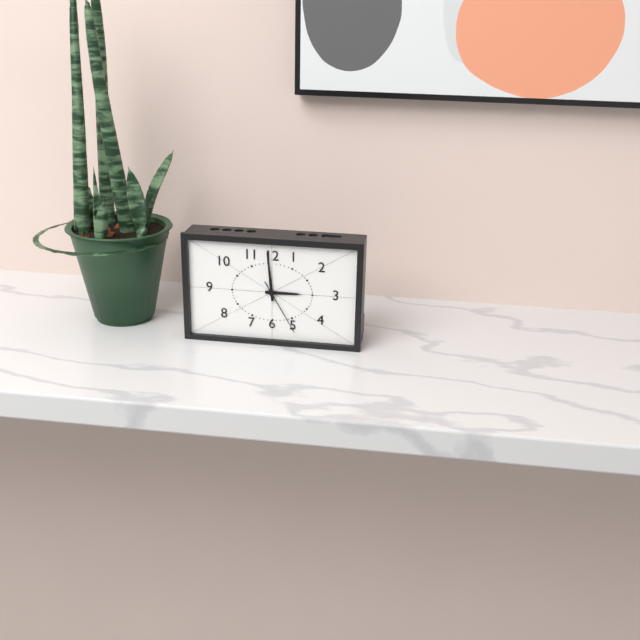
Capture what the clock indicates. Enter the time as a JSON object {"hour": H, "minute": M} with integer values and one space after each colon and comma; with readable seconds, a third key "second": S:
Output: {"hour": 2, "minute": 59, "second": 25}
